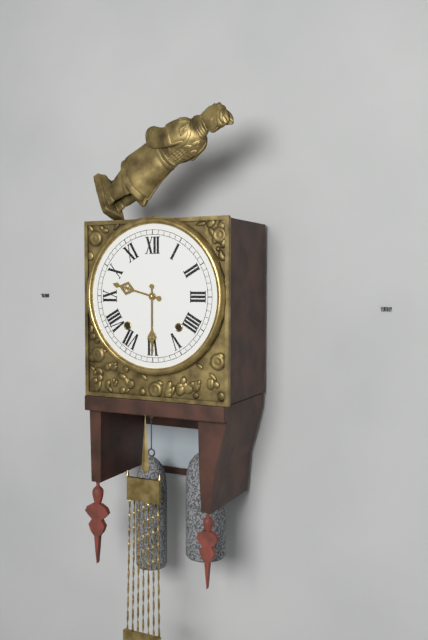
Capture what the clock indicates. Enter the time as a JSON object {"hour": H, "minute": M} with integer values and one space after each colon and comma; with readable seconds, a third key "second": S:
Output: {"hour": 9, "minute": 30}
